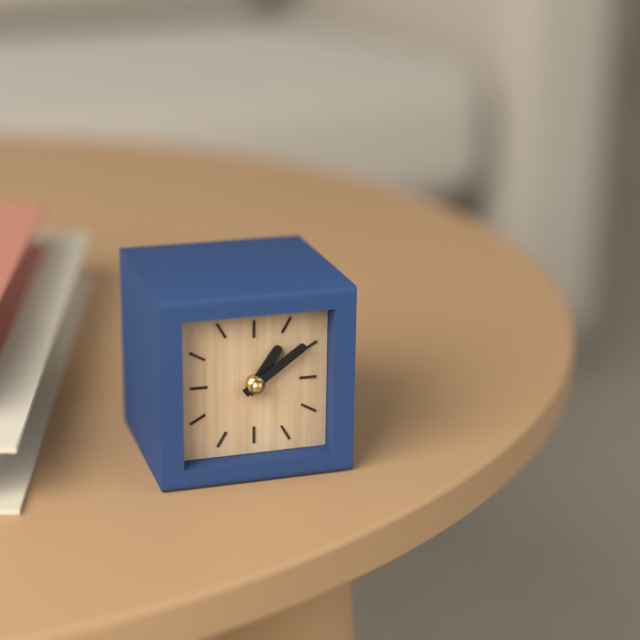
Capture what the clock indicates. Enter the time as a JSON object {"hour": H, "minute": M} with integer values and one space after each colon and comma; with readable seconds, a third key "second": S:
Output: {"hour": 1, "minute": 9}
